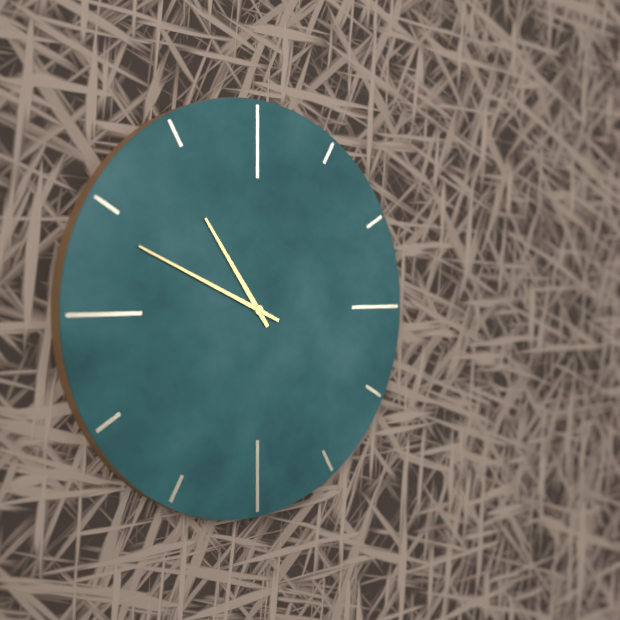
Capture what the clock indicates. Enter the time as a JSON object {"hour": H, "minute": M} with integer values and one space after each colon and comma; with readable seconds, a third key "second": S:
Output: {"hour": 10, "minute": 49}
